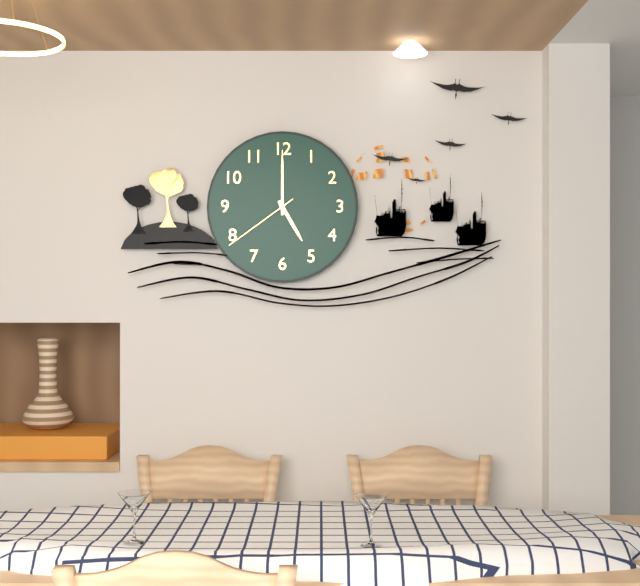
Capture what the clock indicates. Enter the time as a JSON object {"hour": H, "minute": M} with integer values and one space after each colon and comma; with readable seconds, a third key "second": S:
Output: {"hour": 5, "minute": 0, "second": 39}
